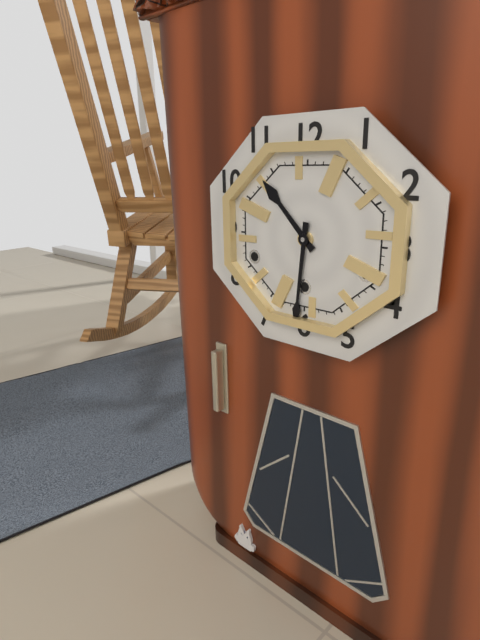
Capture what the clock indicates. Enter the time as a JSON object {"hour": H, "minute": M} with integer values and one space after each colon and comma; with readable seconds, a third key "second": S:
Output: {"hour": 10, "minute": 31}
